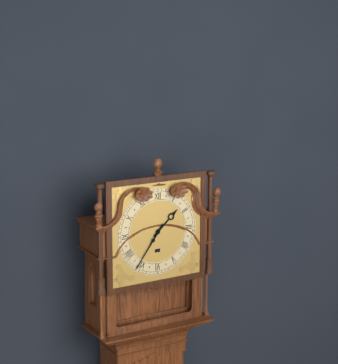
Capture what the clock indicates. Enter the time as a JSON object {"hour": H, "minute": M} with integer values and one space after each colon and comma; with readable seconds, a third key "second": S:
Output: {"hour": 1, "minute": 36}
